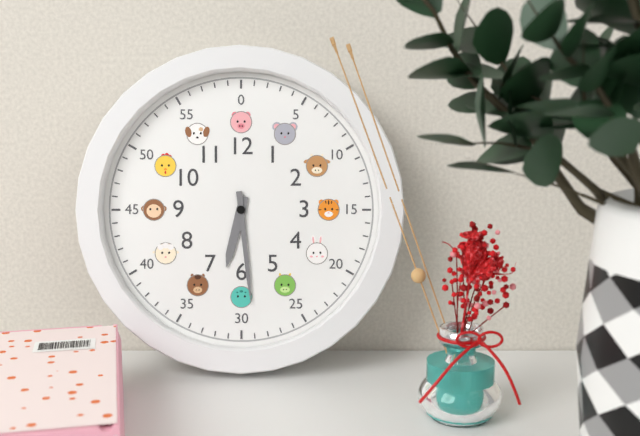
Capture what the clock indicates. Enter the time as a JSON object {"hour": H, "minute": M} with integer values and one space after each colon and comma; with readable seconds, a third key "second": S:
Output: {"hour": 6, "minute": 29}
